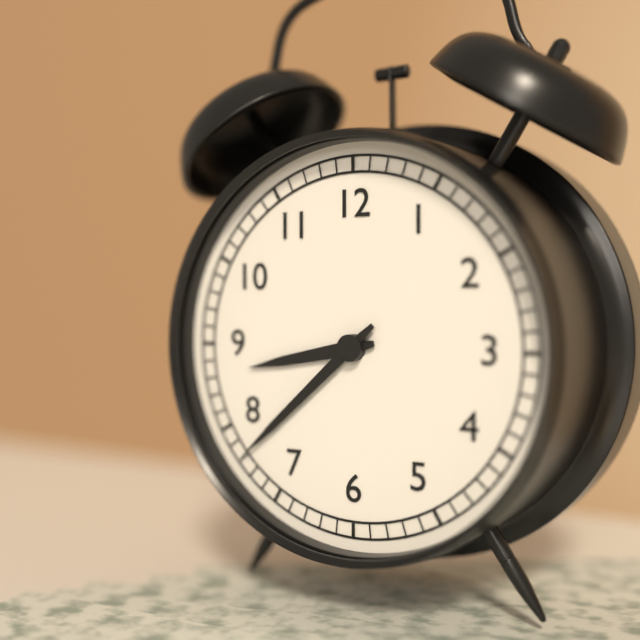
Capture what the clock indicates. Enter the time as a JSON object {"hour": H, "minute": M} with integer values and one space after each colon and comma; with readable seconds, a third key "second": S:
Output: {"hour": 8, "minute": 38}
